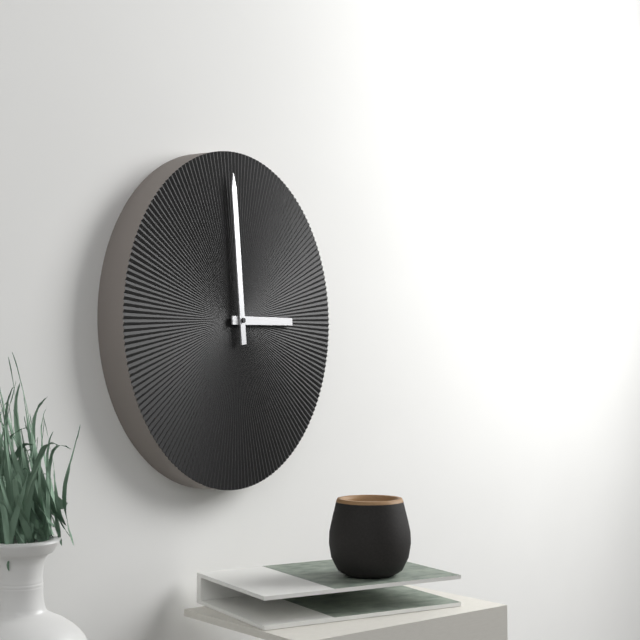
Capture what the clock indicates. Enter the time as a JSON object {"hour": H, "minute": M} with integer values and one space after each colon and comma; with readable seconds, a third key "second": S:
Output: {"hour": 2, "minute": 59}
